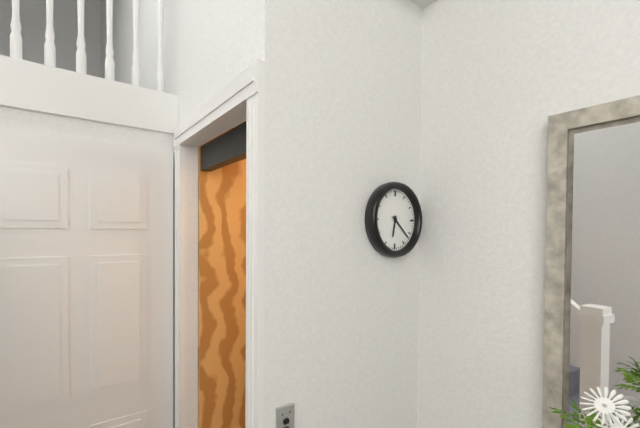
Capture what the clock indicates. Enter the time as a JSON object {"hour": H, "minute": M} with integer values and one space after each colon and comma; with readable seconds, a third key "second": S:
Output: {"hour": 6, "minute": 22}
